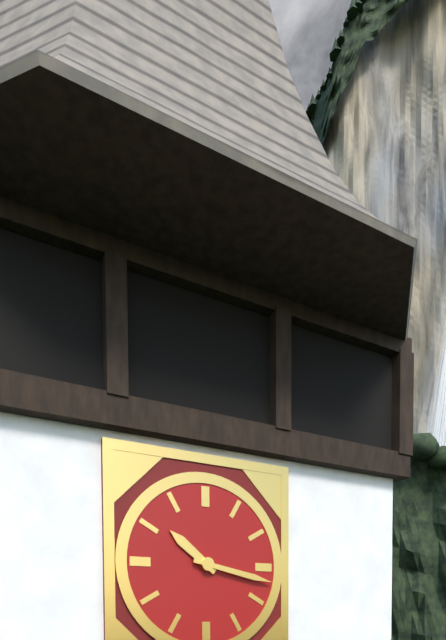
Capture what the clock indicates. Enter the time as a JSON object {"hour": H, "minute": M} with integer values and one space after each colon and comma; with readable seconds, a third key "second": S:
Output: {"hour": 10, "minute": 17}
